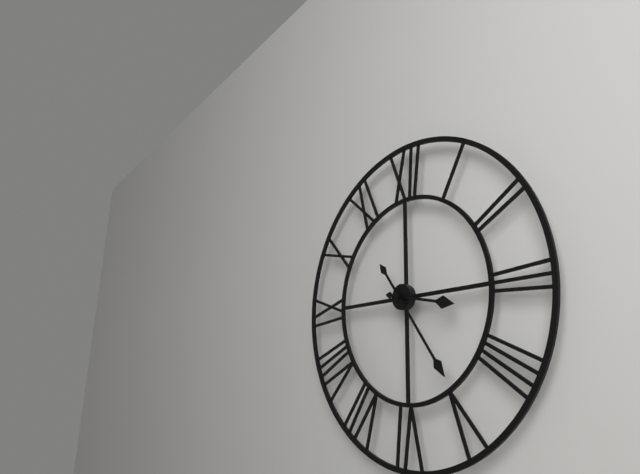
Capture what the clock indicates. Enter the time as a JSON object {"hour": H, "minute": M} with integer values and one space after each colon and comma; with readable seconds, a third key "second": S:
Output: {"hour": 3, "minute": 24}
